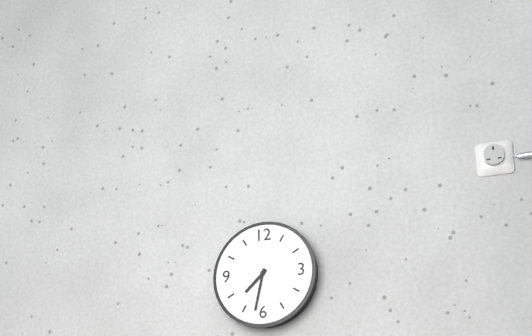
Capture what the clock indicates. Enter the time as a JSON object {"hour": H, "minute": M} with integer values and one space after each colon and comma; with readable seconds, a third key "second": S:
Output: {"hour": 7, "minute": 32}
